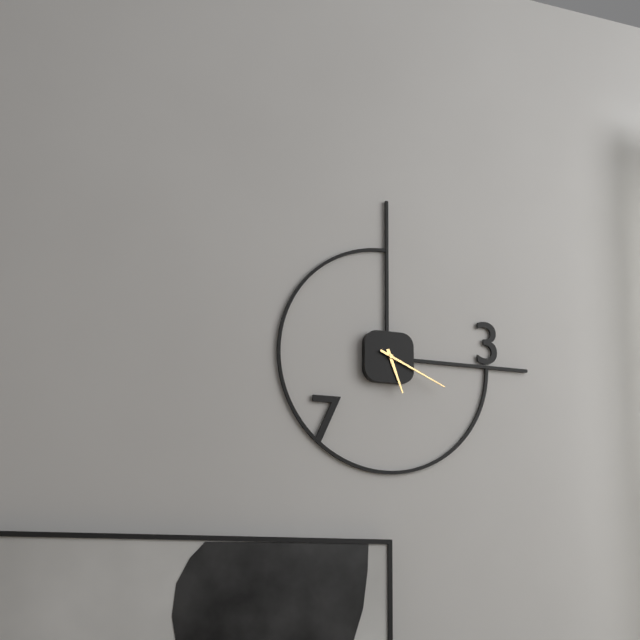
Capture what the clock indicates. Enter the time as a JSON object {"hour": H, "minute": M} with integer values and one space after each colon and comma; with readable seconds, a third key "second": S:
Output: {"hour": 5, "minute": 19}
